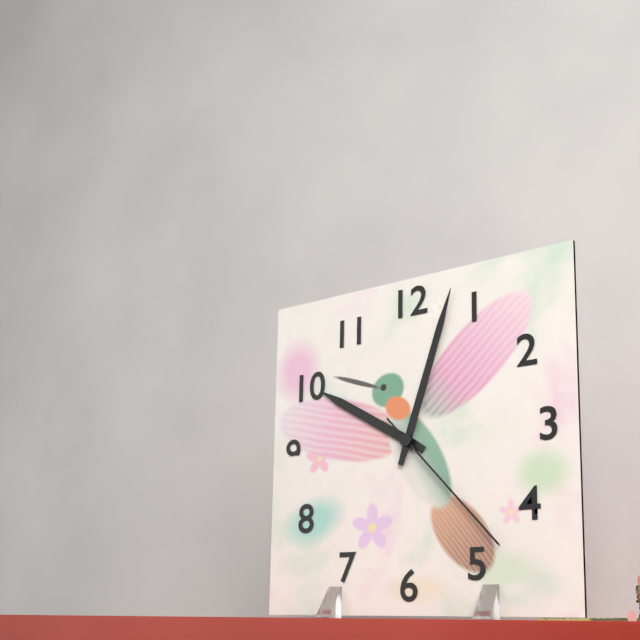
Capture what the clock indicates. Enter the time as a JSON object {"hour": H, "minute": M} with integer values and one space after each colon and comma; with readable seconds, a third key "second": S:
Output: {"hour": 10, "minute": 3, "second": 23}
